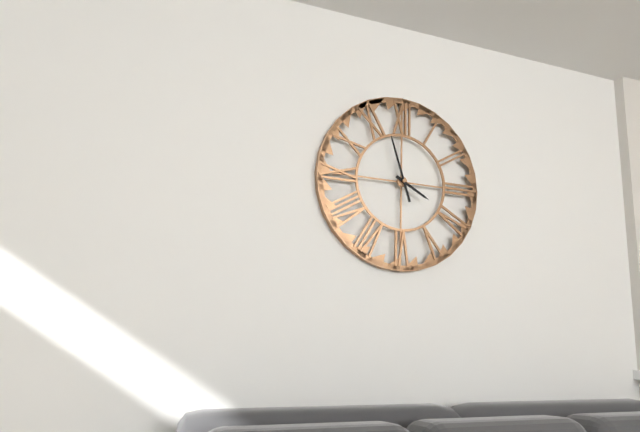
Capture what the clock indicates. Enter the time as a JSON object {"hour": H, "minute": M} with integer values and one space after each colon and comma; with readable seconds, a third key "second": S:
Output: {"hour": 3, "minute": 57}
